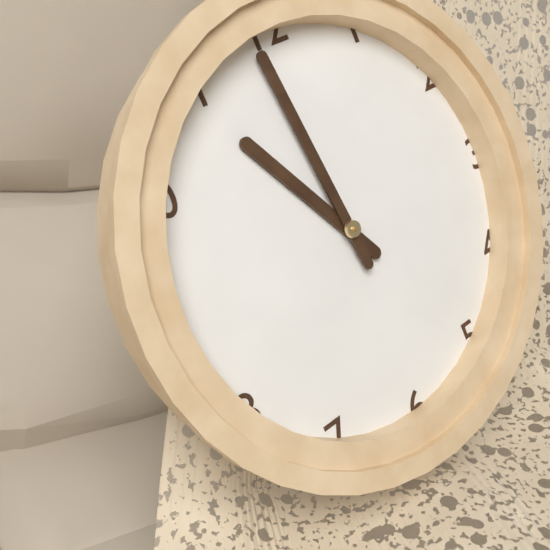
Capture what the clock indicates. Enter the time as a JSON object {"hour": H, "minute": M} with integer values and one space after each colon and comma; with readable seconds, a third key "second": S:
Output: {"hour": 10, "minute": 59}
